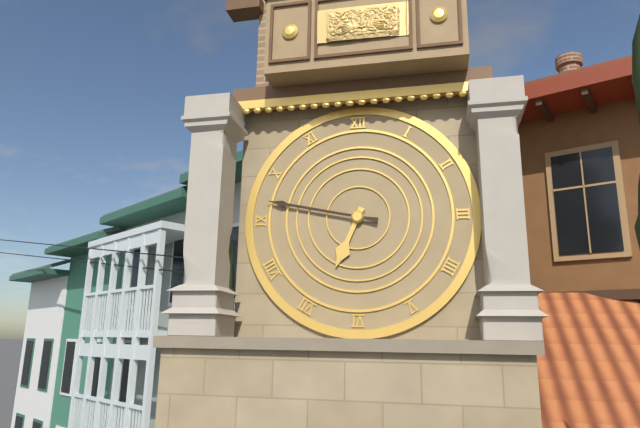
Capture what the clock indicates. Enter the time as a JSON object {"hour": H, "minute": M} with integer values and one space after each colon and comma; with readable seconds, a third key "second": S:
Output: {"hour": 6, "minute": 47}
